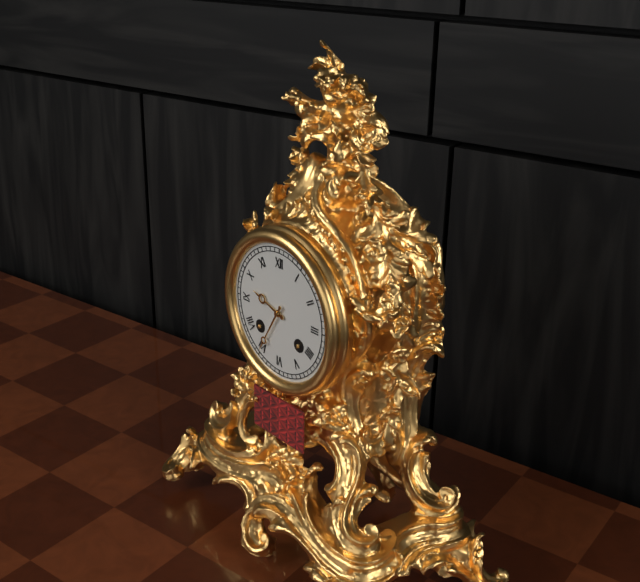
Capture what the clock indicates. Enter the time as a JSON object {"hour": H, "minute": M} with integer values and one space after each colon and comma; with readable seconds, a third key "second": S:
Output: {"hour": 9, "minute": 35}
